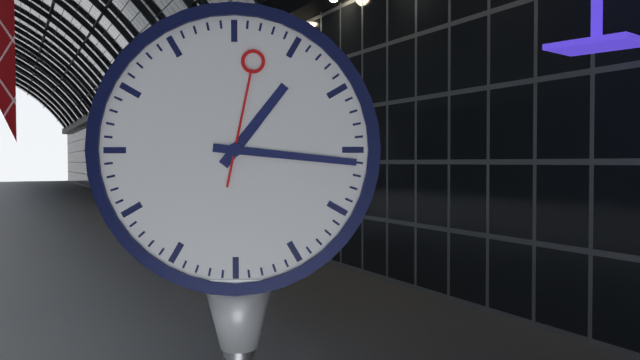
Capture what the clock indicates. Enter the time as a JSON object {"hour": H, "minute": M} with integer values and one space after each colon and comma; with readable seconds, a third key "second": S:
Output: {"hour": 1, "minute": 16, "second": 2}
